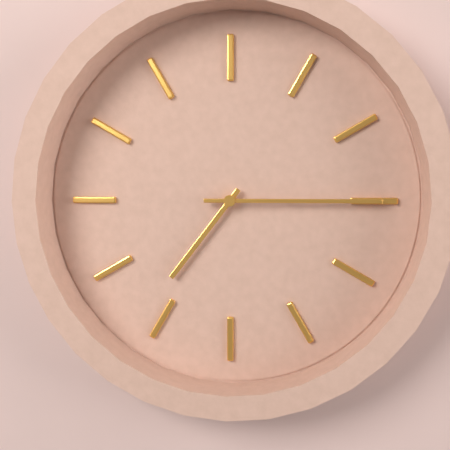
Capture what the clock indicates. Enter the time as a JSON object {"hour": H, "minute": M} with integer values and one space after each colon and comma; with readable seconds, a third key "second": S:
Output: {"hour": 7, "minute": 15}
